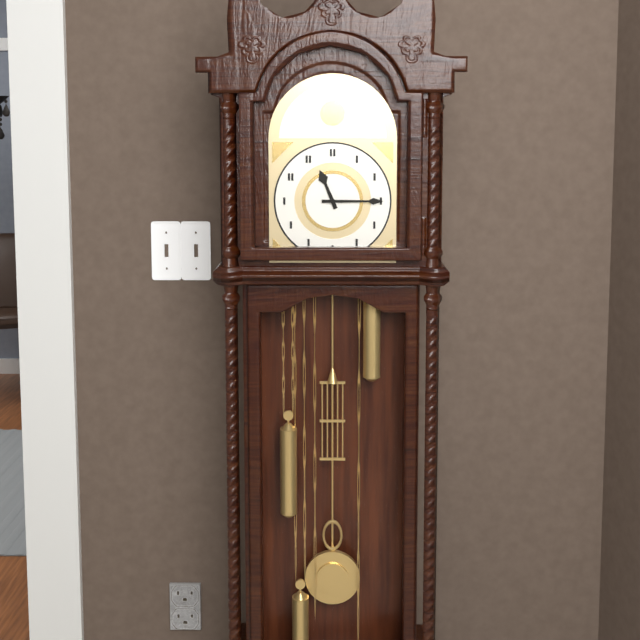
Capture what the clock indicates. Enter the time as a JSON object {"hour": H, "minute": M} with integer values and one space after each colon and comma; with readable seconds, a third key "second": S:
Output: {"hour": 11, "minute": 15}
